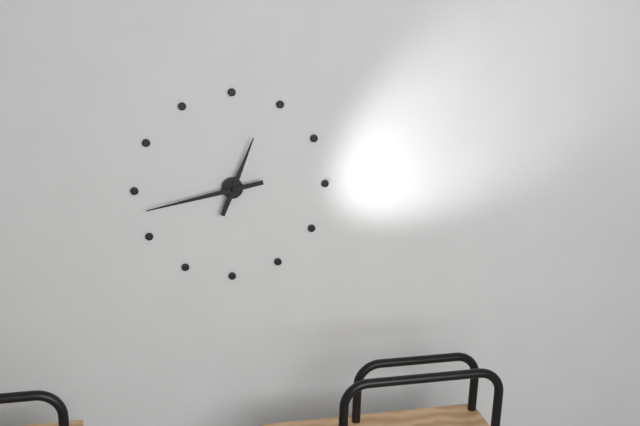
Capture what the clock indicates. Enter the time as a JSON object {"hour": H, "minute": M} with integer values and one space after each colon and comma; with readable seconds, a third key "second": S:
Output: {"hour": 12, "minute": 43}
